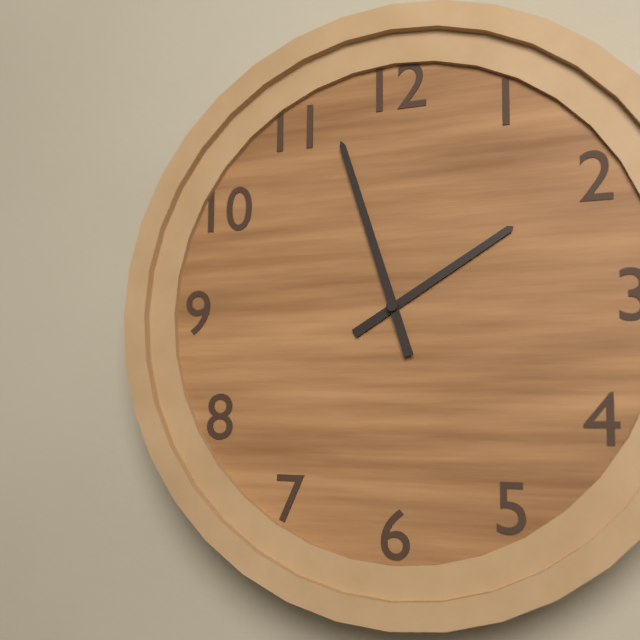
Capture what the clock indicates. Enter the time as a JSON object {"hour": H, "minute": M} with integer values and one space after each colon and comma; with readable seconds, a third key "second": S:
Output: {"hour": 1, "minute": 57}
